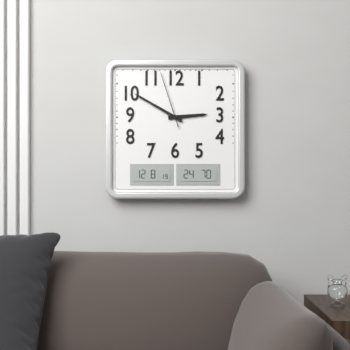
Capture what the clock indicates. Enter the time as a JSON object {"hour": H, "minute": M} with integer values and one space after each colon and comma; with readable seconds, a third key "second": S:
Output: {"hour": 2, "minute": 50, "second": 57}
